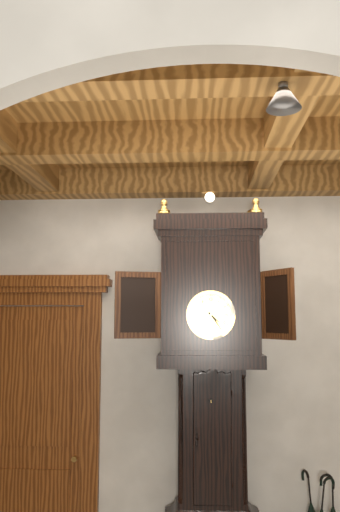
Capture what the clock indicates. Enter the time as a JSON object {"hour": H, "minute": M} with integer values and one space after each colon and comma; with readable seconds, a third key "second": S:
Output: {"hour": 4, "minute": 24}
